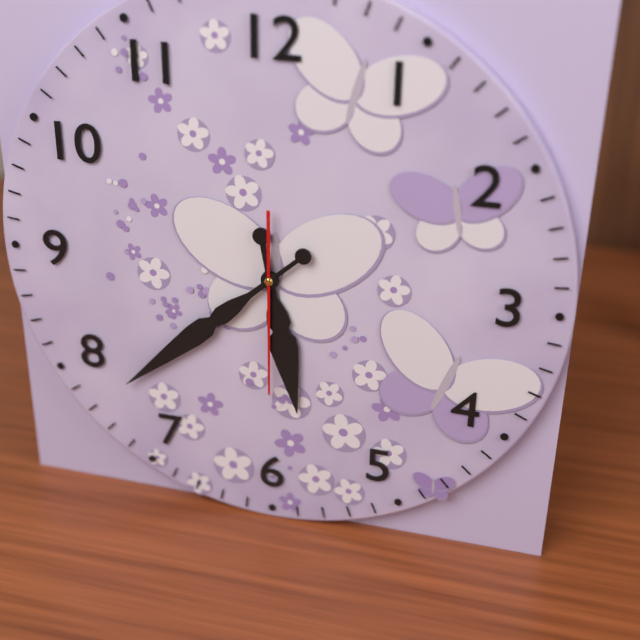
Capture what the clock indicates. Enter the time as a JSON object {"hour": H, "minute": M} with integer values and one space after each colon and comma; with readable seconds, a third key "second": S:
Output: {"hour": 5, "minute": 38, "second": 30}
